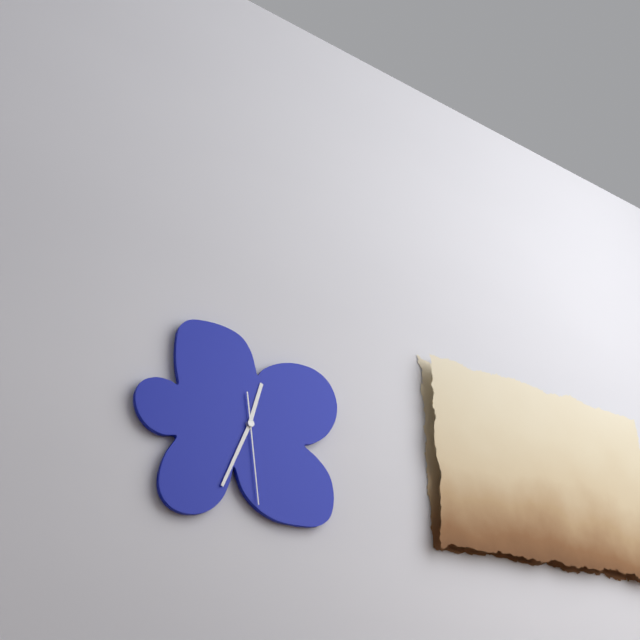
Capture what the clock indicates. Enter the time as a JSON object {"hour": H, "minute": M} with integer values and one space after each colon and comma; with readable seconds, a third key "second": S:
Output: {"hour": 12, "minute": 34, "second": 29}
